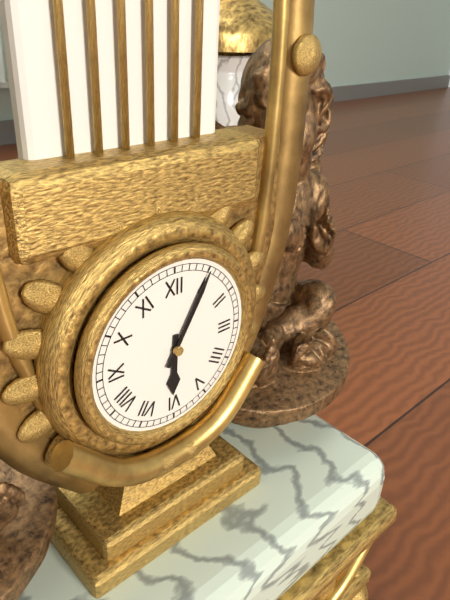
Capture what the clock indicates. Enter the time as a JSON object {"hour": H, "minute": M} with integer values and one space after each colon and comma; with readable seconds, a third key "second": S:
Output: {"hour": 6, "minute": 5}
